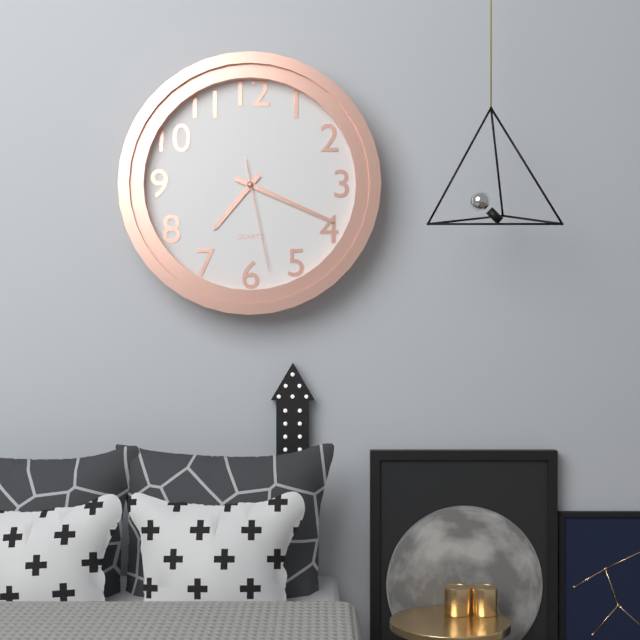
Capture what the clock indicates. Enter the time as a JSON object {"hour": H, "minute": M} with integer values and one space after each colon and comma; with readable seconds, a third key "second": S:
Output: {"hour": 7, "minute": 19, "second": 28}
